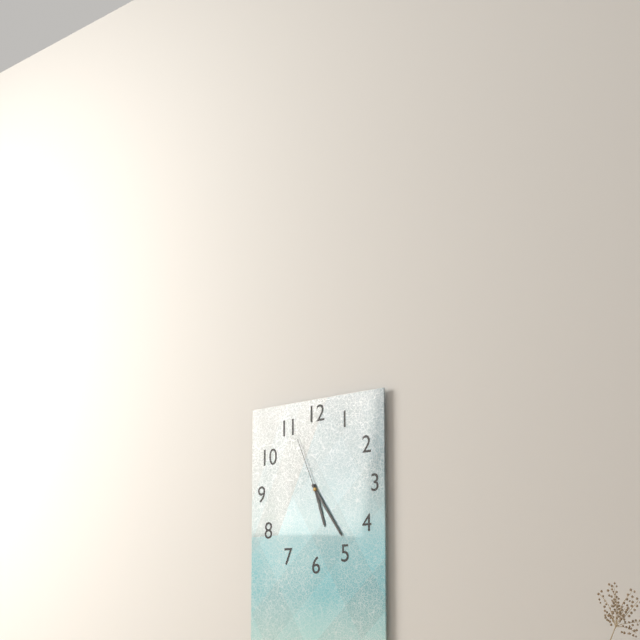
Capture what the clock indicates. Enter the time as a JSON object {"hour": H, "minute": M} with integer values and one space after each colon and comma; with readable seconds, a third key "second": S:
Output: {"hour": 5, "minute": 24, "second": 56}
